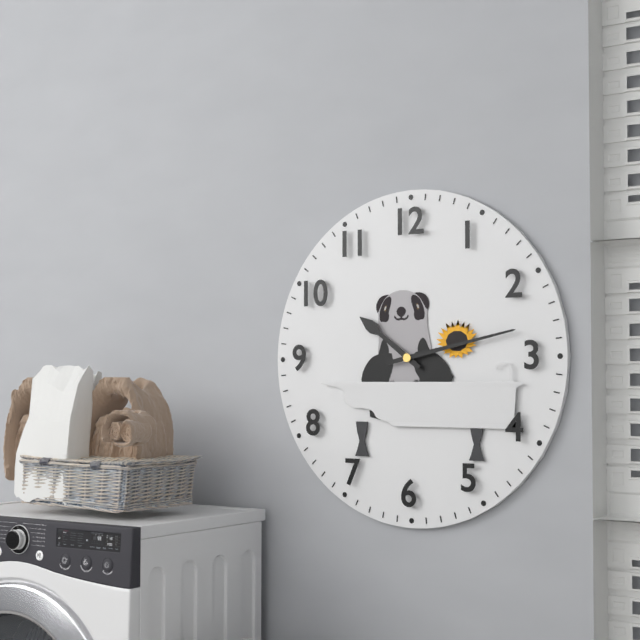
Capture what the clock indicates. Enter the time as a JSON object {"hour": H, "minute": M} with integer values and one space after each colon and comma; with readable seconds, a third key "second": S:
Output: {"hour": 10, "minute": 13}
